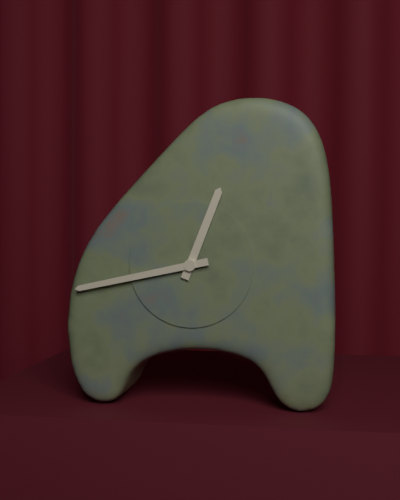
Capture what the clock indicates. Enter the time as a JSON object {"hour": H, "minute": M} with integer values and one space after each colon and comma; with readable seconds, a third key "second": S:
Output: {"hour": 12, "minute": 43}
